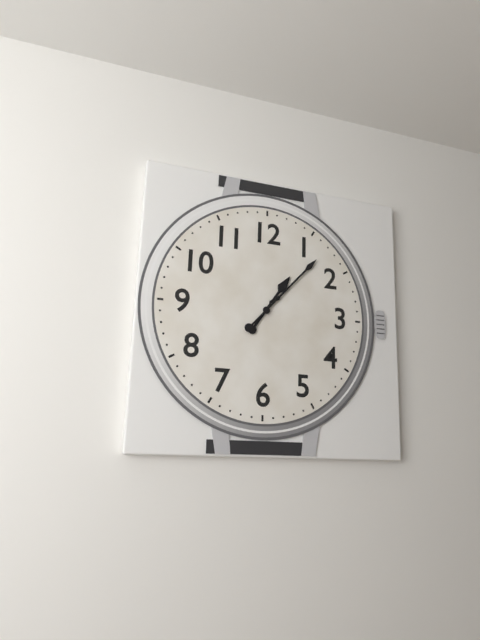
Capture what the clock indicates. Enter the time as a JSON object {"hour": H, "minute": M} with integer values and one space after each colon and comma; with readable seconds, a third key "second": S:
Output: {"hour": 1, "minute": 7}
